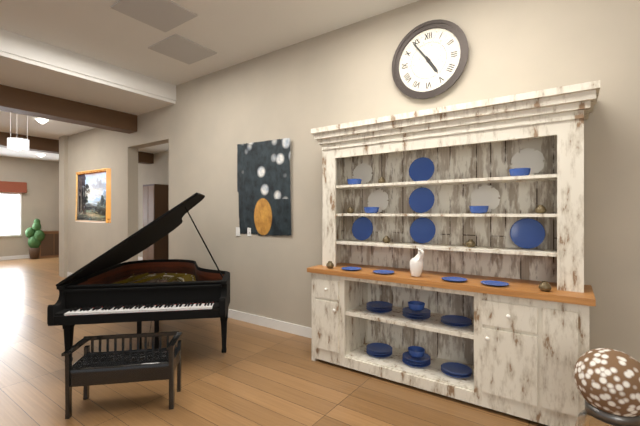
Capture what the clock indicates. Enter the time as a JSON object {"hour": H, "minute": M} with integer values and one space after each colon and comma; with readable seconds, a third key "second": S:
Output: {"hour": 4, "minute": 54}
